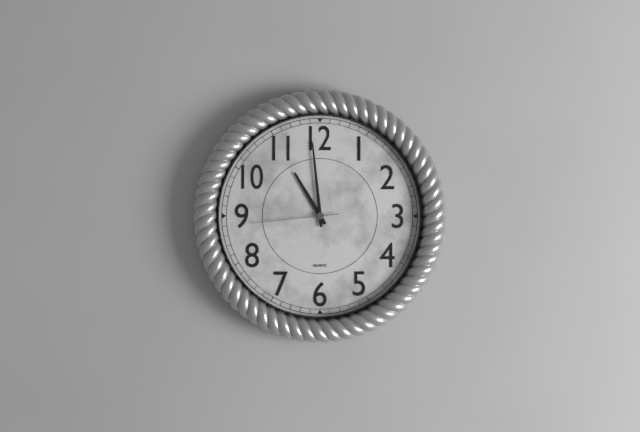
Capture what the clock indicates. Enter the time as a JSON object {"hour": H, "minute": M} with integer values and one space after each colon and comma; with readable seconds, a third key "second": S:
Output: {"hour": 10, "minute": 59, "second": 44}
